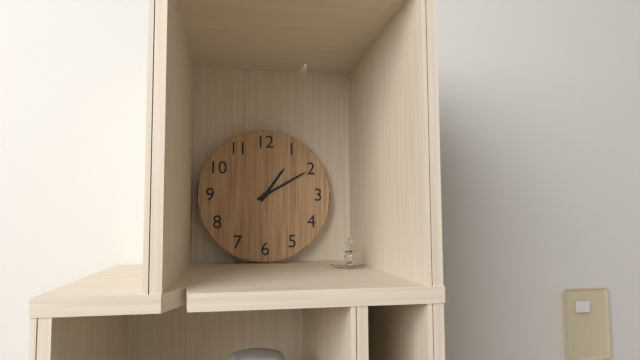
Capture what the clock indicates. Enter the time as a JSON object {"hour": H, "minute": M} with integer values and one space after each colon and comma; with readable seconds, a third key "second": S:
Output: {"hour": 1, "minute": 10}
